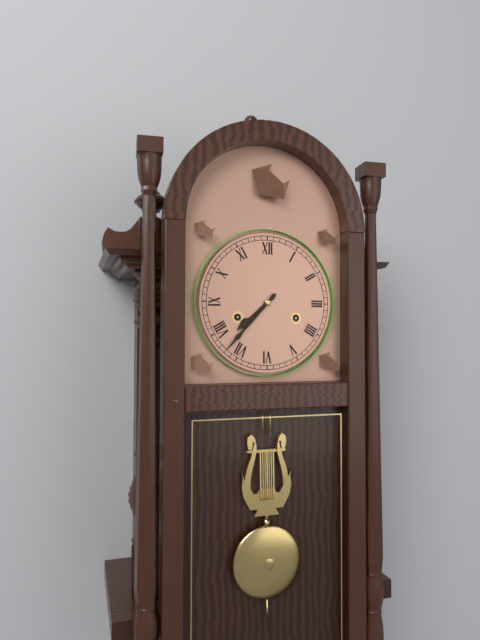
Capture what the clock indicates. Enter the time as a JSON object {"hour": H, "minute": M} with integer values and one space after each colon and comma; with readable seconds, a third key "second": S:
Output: {"hour": 7, "minute": 37}
